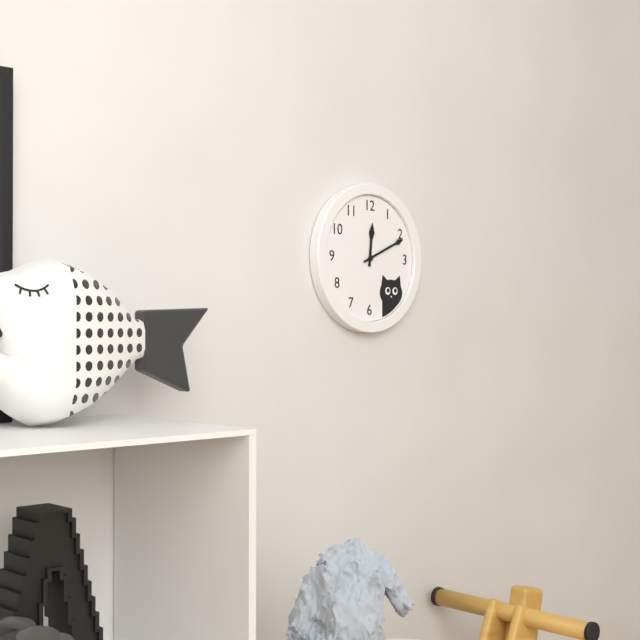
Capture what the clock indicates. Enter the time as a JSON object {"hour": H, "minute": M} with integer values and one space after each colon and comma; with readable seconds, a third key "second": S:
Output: {"hour": 12, "minute": 11}
